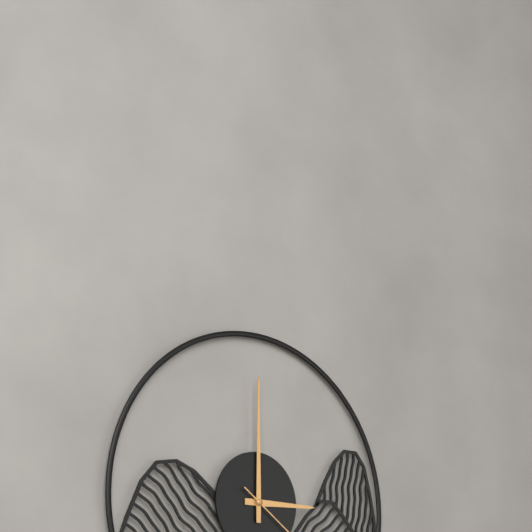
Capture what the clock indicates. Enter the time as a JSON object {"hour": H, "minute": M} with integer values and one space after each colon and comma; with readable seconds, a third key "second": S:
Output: {"hour": 3, "minute": 0}
